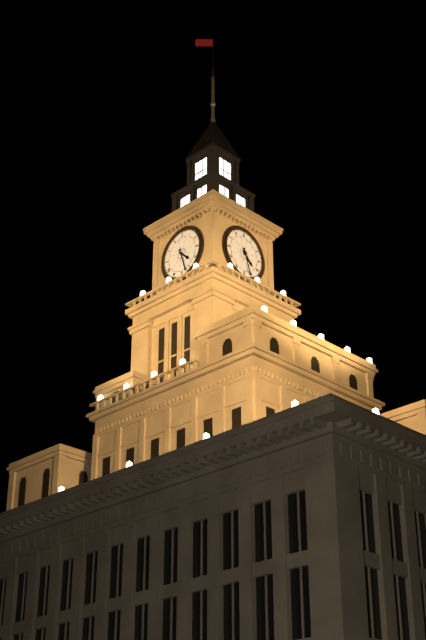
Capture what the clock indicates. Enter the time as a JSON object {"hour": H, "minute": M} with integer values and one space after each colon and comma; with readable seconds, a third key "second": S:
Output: {"hour": 4, "minute": 27}
